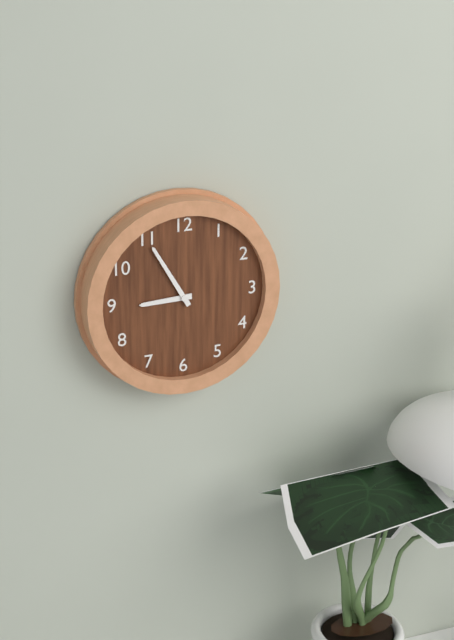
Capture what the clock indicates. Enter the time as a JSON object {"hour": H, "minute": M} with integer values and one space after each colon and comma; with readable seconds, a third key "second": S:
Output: {"hour": 8, "minute": 55}
